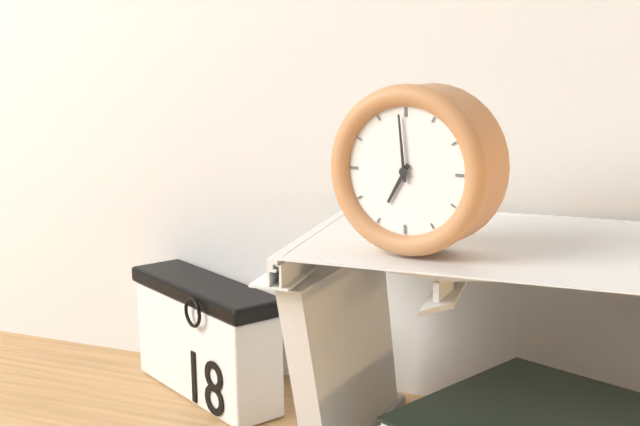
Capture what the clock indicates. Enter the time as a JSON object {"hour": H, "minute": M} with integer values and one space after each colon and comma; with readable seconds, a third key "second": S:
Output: {"hour": 6, "minute": 59}
